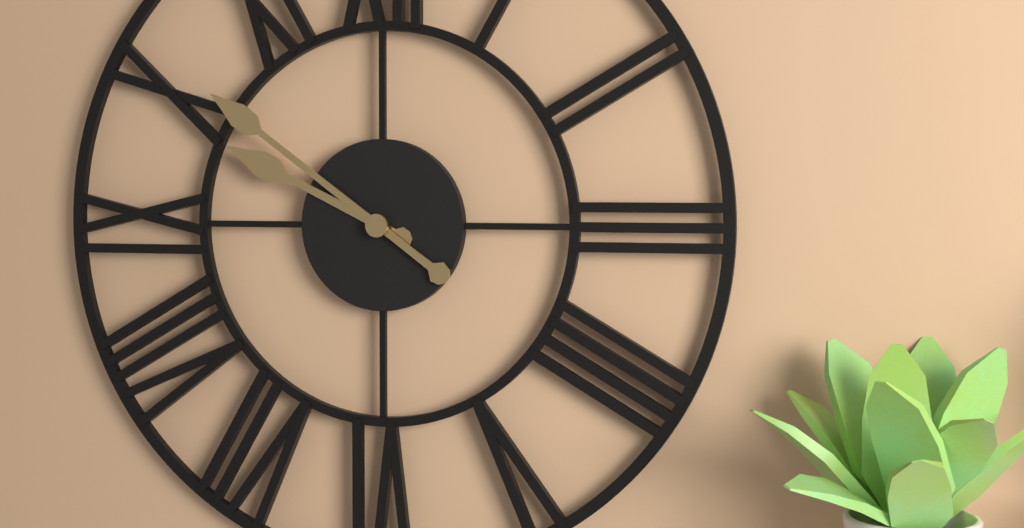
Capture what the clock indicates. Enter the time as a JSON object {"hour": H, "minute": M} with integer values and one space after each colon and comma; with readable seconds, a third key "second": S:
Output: {"hour": 9, "minute": 51}
